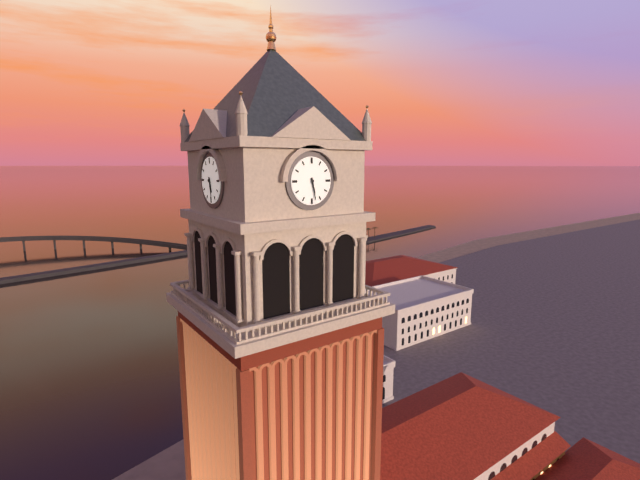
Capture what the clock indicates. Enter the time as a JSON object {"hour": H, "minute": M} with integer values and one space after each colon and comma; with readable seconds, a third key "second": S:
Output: {"hour": 5, "minute": 28}
